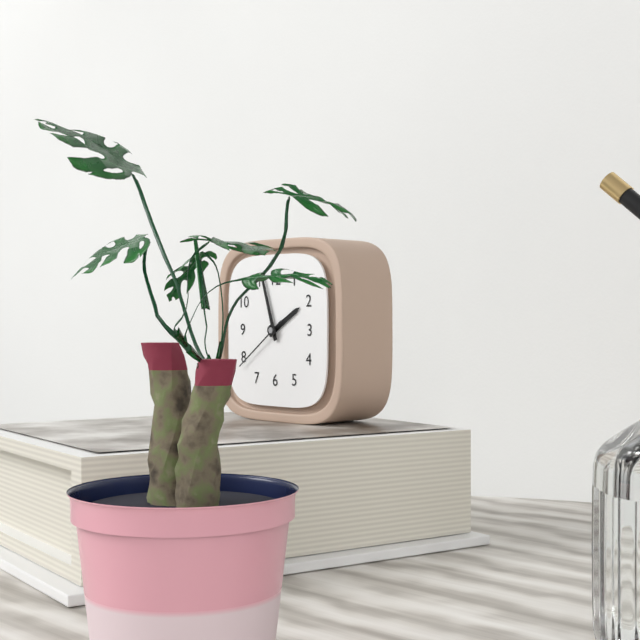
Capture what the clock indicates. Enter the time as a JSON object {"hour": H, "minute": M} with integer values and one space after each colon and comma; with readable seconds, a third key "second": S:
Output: {"hour": 1, "minute": 57, "second": 39}
